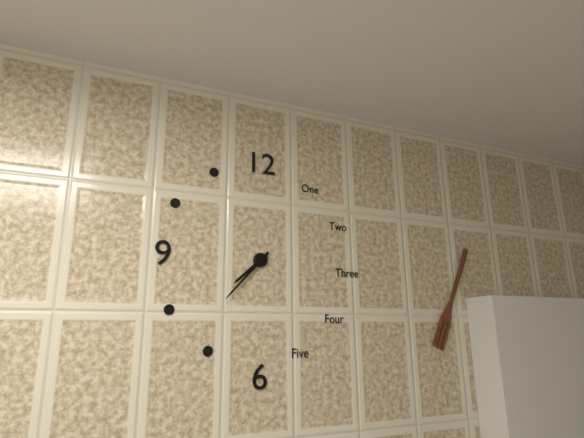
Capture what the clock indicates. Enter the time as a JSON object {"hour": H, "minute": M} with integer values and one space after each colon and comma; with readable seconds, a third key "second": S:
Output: {"hour": 7, "minute": 37}
